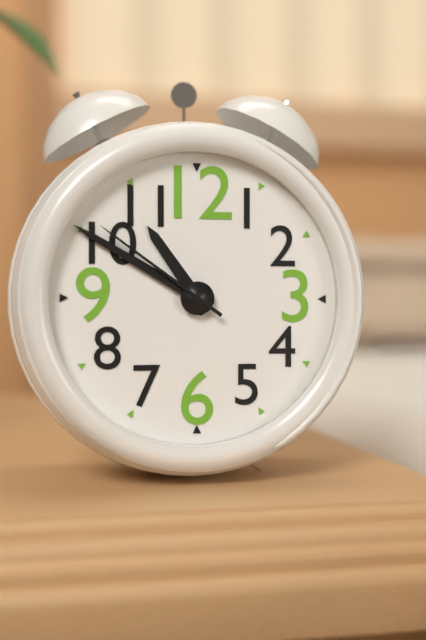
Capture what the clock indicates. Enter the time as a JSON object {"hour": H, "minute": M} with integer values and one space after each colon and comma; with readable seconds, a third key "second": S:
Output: {"hour": 10, "minute": 50, "second": 51}
